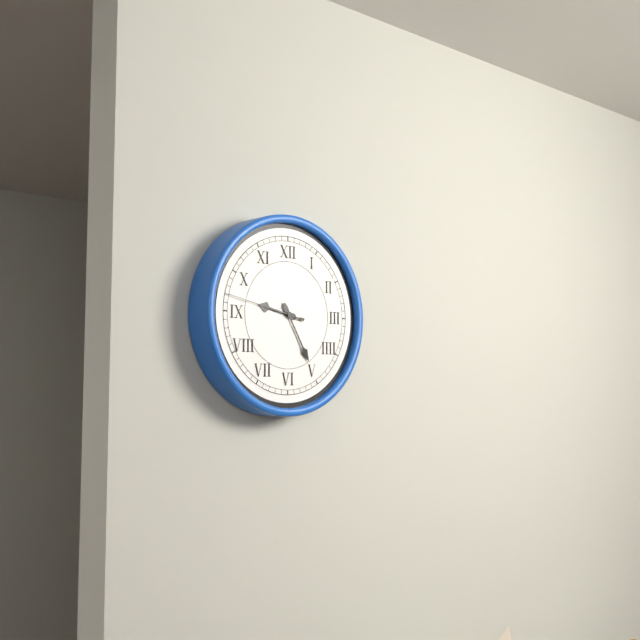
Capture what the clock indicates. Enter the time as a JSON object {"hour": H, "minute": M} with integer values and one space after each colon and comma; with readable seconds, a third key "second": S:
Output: {"hour": 9, "minute": 25, "second": 47}
